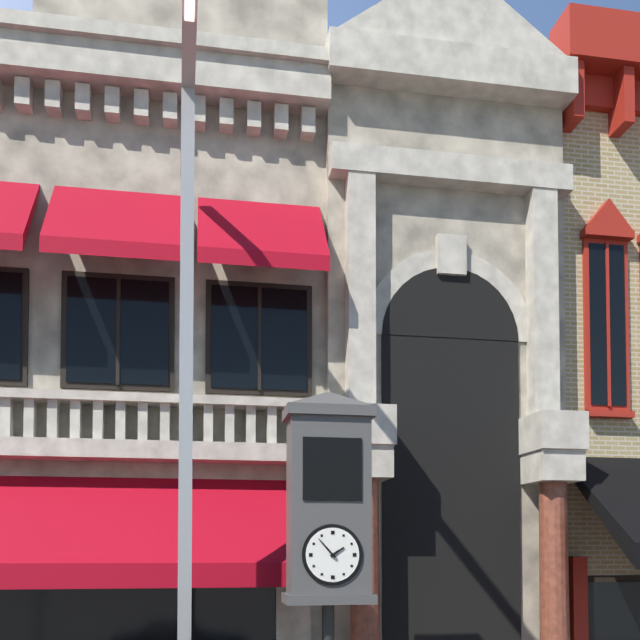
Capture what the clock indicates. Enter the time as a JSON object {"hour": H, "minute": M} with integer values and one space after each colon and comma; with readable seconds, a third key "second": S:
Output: {"hour": 1, "minute": 53}
